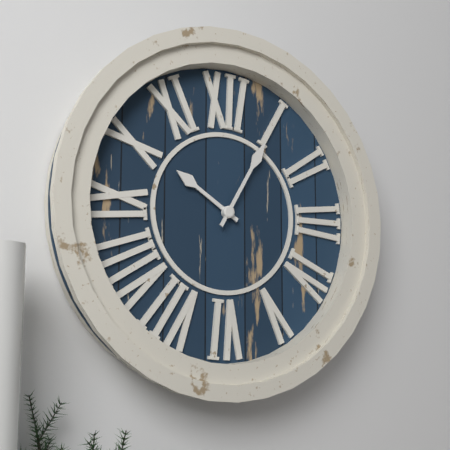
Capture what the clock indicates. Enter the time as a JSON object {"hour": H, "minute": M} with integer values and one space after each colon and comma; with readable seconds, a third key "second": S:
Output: {"hour": 10, "minute": 5}
